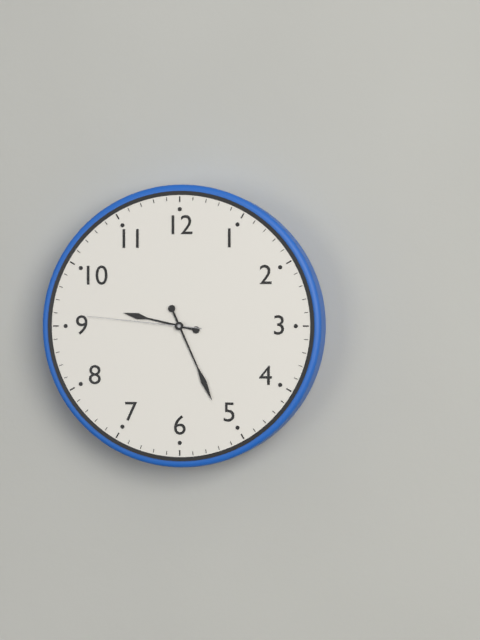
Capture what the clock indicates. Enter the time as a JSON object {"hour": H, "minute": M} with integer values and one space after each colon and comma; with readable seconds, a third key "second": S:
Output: {"hour": 9, "minute": 26, "second": 46}
